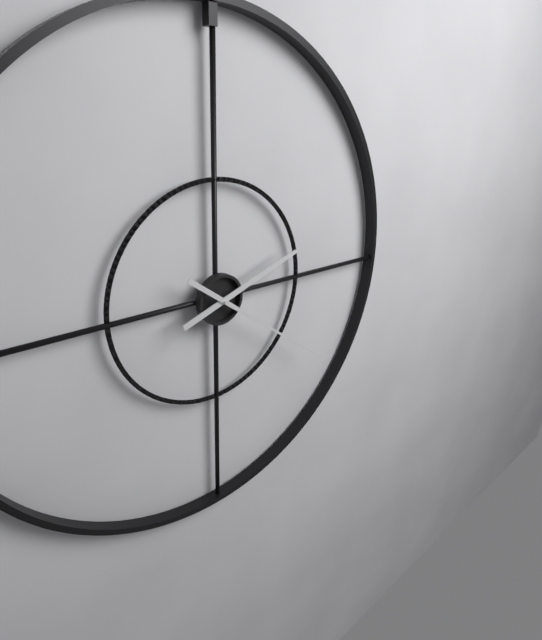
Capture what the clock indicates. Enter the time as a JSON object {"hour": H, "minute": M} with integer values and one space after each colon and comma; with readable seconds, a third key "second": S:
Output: {"hour": 2, "minute": 21}
